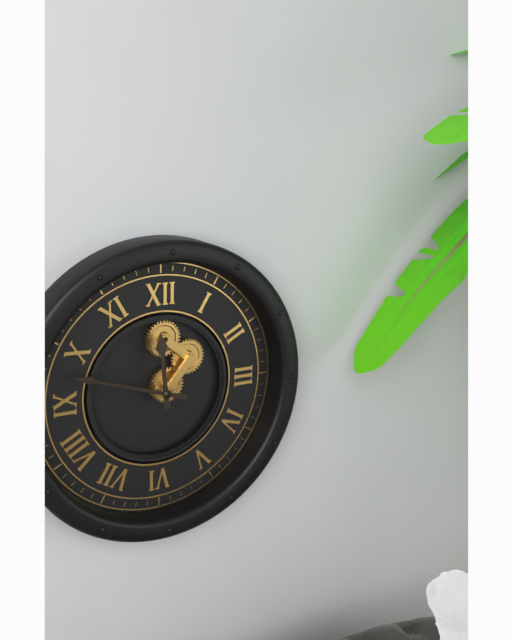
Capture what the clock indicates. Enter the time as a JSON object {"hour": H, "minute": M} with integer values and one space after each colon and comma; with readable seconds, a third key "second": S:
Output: {"hour": 11, "minute": 48}
